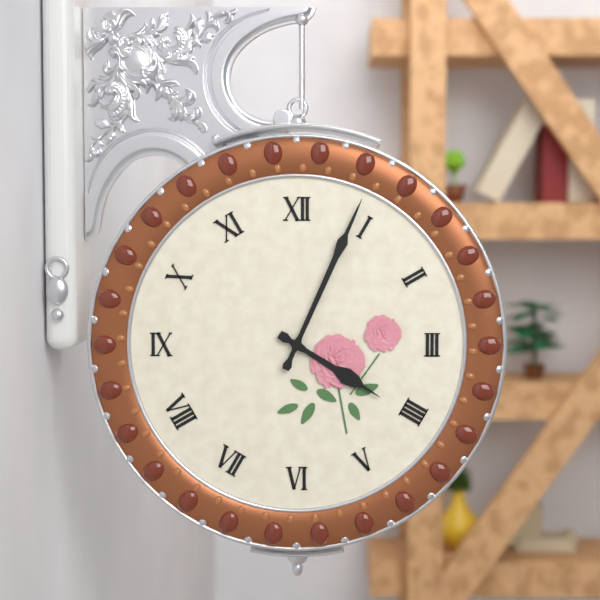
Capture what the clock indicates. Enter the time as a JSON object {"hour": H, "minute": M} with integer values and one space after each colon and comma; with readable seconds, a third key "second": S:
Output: {"hour": 4, "minute": 4}
